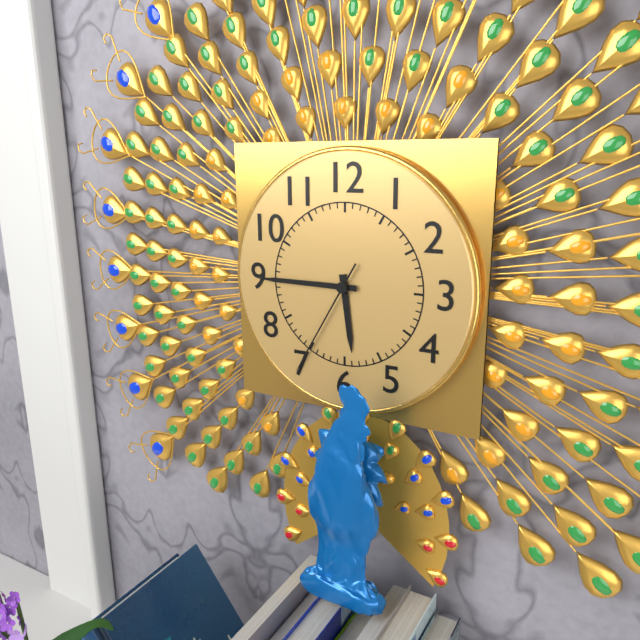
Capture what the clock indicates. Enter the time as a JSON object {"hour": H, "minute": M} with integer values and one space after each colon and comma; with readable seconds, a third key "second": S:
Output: {"hour": 5, "minute": 45, "second": 35}
